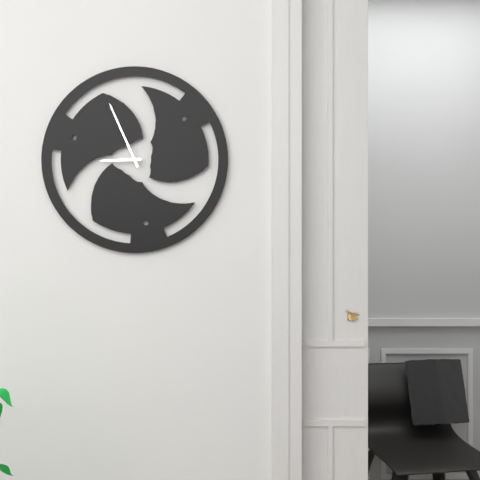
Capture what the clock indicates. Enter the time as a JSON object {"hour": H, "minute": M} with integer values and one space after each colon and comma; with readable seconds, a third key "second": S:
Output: {"hour": 8, "minute": 56}
